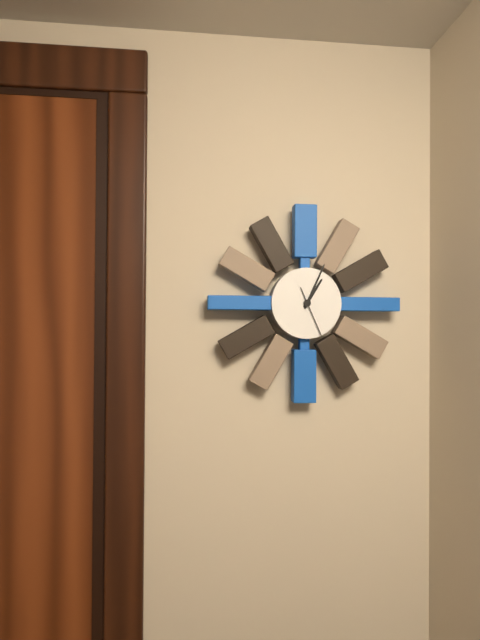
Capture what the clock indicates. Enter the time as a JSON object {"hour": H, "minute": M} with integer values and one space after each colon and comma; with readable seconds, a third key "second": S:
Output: {"hour": 1, "minute": 4}
